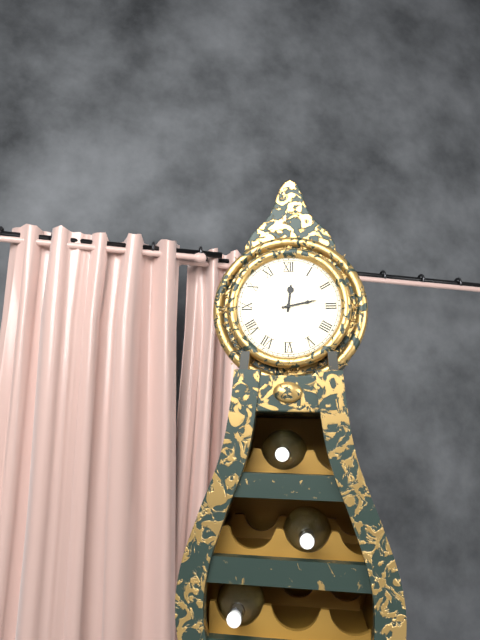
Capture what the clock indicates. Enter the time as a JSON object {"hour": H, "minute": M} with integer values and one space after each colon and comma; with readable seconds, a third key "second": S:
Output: {"hour": 12, "minute": 13}
